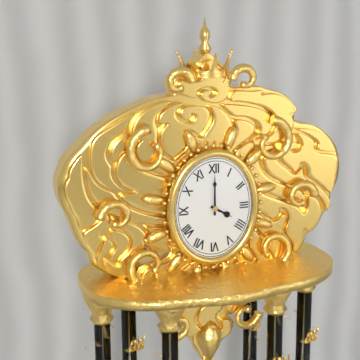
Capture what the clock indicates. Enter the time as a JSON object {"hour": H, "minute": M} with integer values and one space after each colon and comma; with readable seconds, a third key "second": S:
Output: {"hour": 4, "minute": 0}
